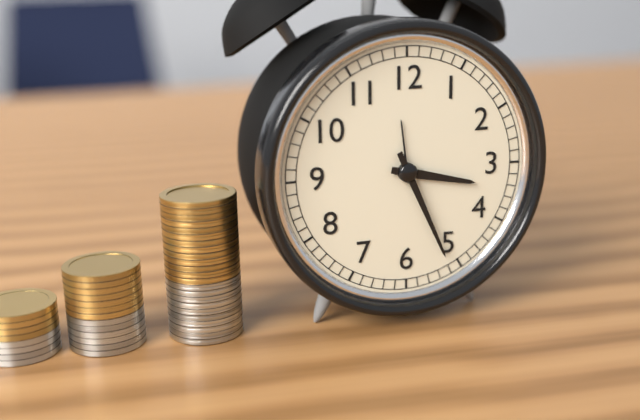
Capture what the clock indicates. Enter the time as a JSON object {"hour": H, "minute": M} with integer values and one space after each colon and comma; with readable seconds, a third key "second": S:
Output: {"hour": 3, "minute": 26}
